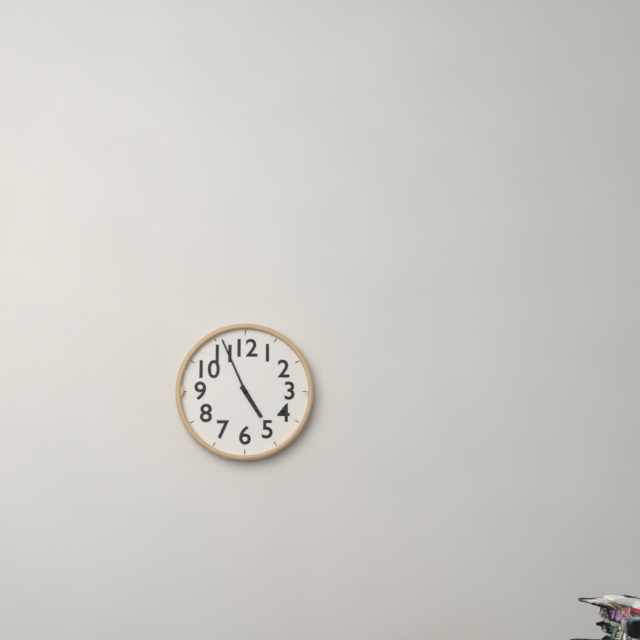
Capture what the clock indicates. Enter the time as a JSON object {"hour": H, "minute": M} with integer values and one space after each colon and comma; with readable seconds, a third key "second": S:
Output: {"hour": 4, "minute": 56}
